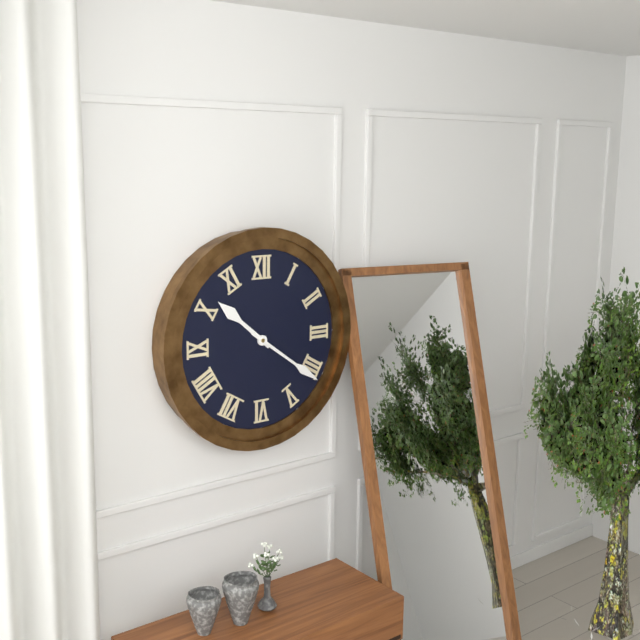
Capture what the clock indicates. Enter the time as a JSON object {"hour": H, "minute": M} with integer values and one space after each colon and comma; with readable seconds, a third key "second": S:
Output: {"hour": 10, "minute": 21}
